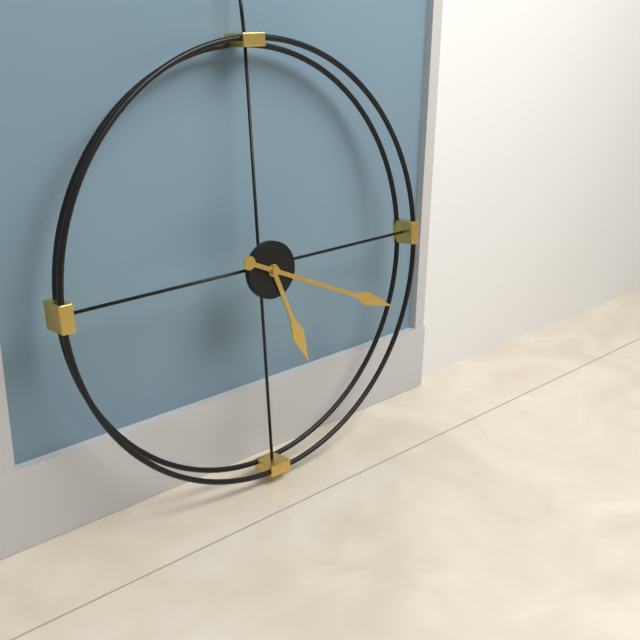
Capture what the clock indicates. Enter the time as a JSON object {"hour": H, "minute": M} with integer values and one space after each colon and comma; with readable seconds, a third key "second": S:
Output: {"hour": 5, "minute": 19}
